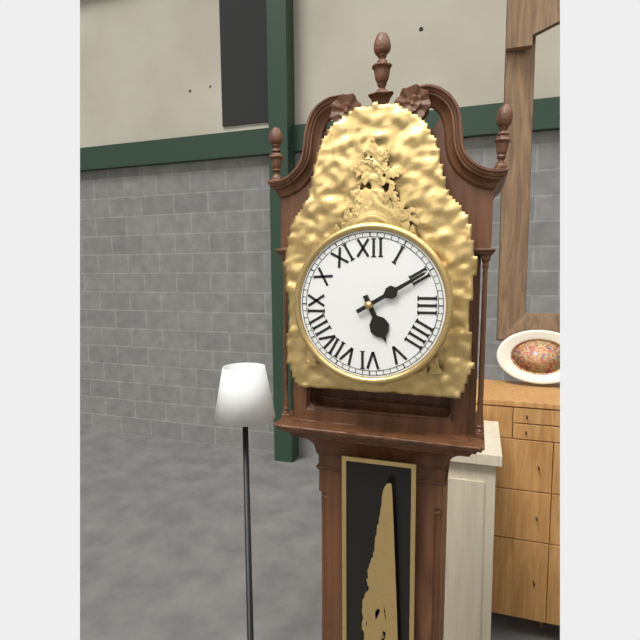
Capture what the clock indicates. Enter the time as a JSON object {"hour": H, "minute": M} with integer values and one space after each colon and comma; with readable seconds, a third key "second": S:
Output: {"hour": 5, "minute": 10}
